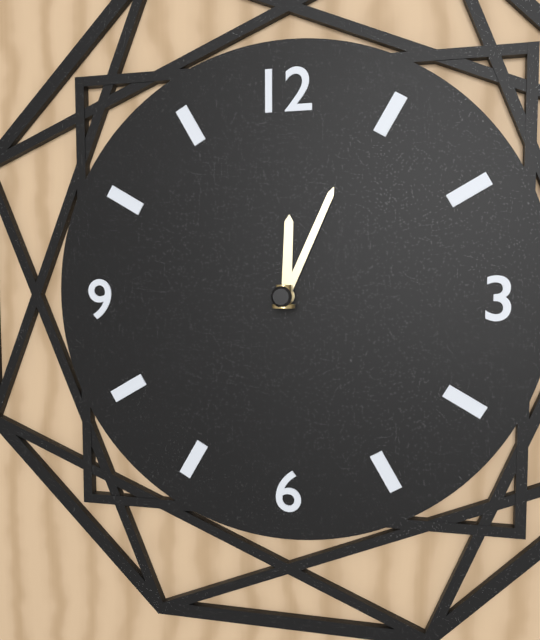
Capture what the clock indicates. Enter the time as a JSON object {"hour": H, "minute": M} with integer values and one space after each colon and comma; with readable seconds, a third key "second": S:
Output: {"hour": 12, "minute": 4}
